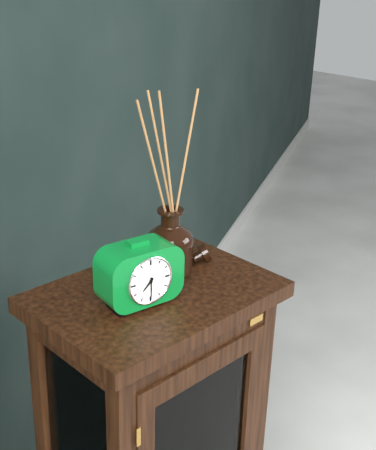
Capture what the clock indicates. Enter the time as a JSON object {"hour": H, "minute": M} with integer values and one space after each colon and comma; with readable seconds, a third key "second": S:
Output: {"hour": 7, "minute": 30}
